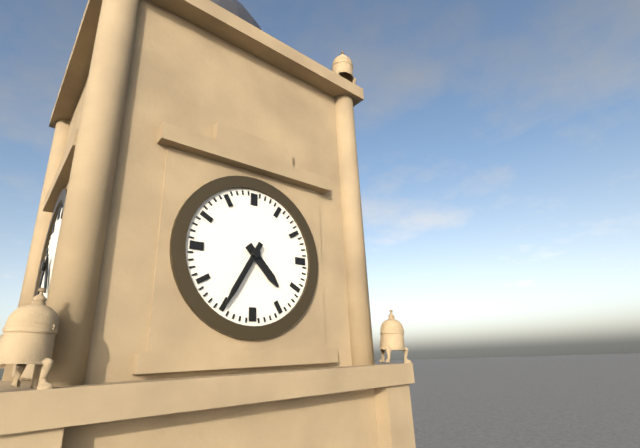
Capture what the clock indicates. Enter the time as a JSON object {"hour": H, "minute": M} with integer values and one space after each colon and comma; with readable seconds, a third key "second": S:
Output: {"hour": 4, "minute": 35}
